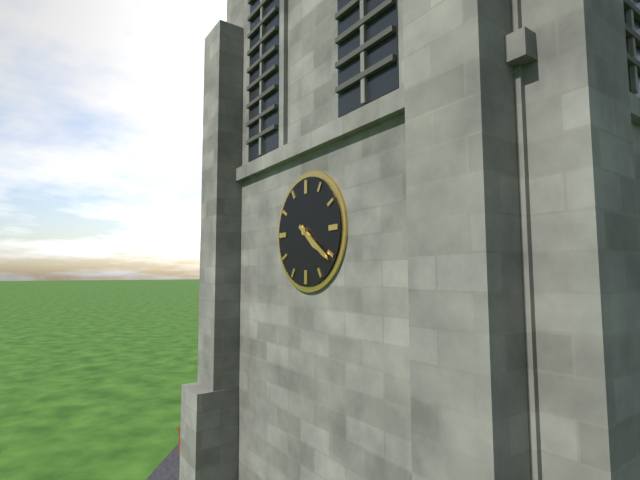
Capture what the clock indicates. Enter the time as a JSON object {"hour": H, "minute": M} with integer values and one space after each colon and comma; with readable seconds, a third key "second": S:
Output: {"hour": 4, "minute": 21}
